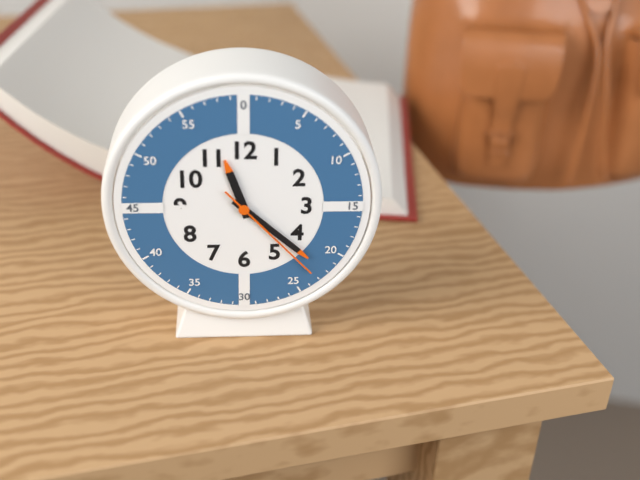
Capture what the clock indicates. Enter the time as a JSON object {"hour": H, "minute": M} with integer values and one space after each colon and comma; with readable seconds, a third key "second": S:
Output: {"hour": 11, "minute": 22, "second": 23}
